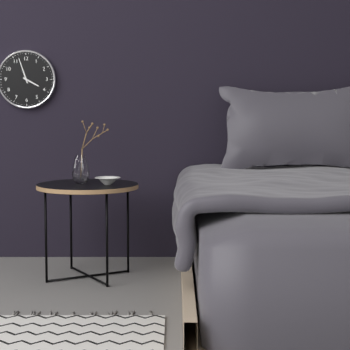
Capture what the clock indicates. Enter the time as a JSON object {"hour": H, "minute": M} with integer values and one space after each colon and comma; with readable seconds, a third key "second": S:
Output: {"hour": 3, "minute": 57}
